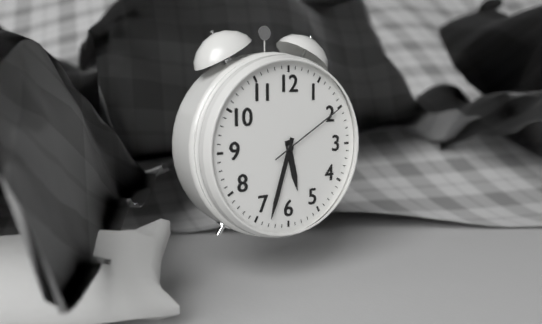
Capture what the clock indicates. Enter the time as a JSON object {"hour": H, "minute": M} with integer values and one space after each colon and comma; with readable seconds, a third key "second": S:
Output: {"hour": 5, "minute": 33, "second": 10}
